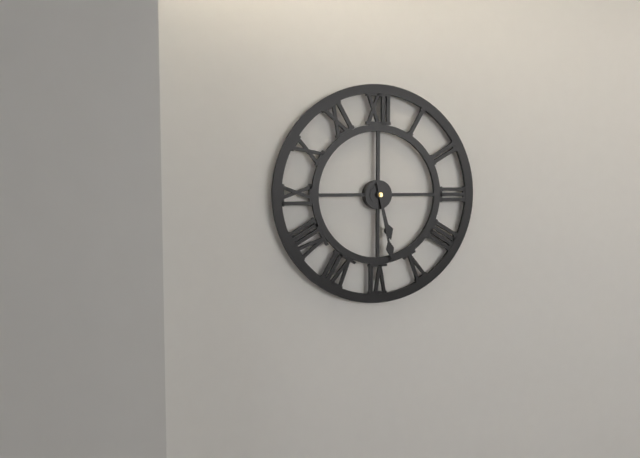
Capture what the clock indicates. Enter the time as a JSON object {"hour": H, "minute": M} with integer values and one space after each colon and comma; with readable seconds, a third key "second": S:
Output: {"hour": 5, "minute": 28}
